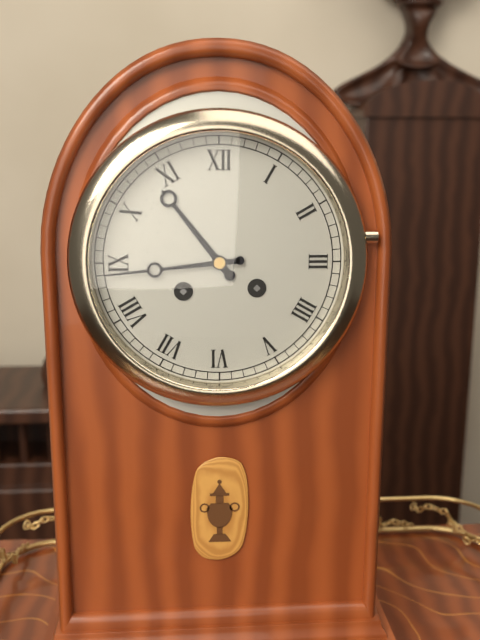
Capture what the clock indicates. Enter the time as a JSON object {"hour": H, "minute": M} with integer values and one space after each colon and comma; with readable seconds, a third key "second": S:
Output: {"hour": 10, "minute": 44}
